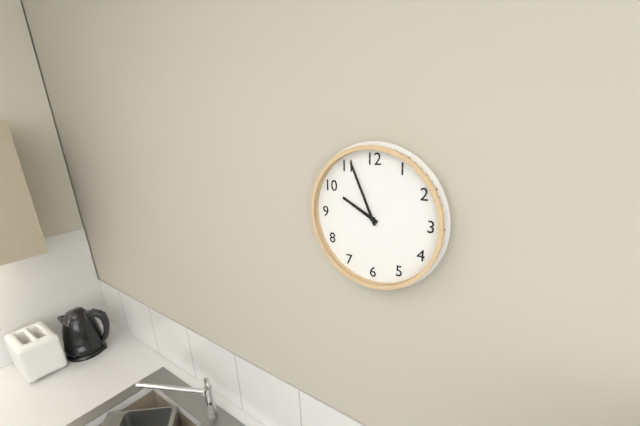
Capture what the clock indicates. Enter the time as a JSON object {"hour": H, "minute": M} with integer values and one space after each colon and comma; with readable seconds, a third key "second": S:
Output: {"hour": 9, "minute": 56}
